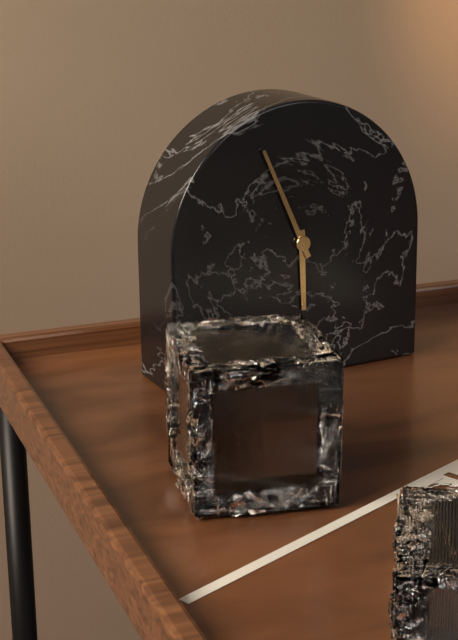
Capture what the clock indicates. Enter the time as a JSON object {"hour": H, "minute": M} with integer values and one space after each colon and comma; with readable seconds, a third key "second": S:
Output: {"hour": 5, "minute": 56}
